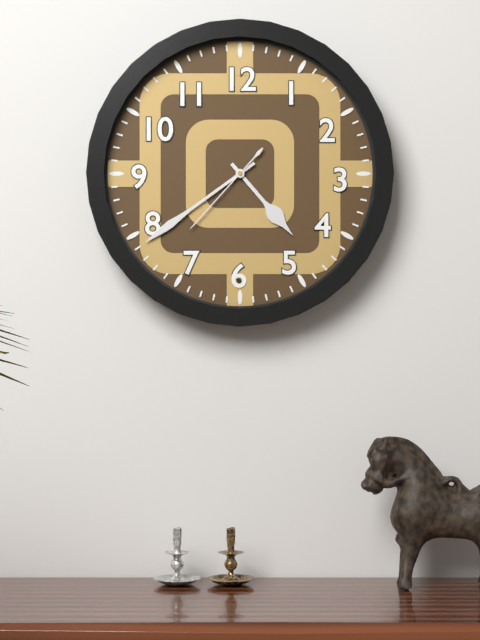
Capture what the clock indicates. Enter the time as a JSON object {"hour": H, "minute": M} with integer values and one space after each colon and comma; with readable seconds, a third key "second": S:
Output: {"hour": 4, "minute": 39, "second": 37}
